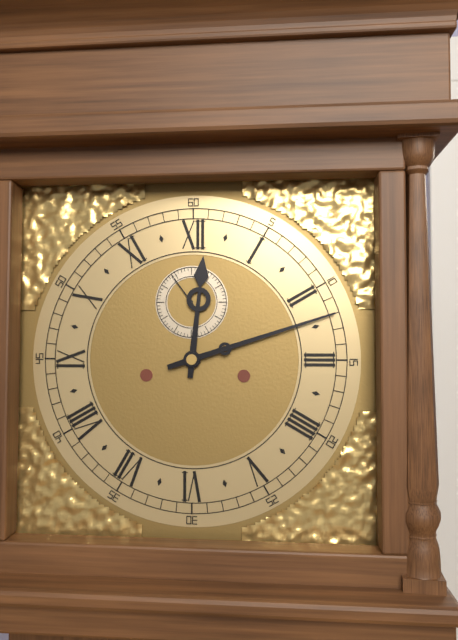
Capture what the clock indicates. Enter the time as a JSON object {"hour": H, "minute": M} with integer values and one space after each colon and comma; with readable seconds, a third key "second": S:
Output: {"hour": 12, "minute": 12}
